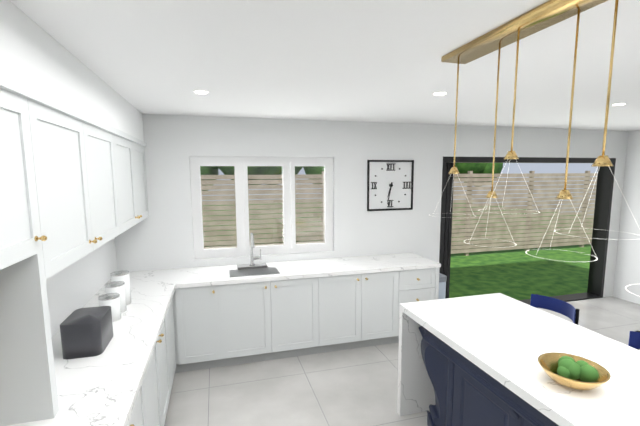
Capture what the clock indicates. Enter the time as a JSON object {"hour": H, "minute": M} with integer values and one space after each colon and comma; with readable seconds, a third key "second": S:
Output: {"hour": 6, "minute": 32}
